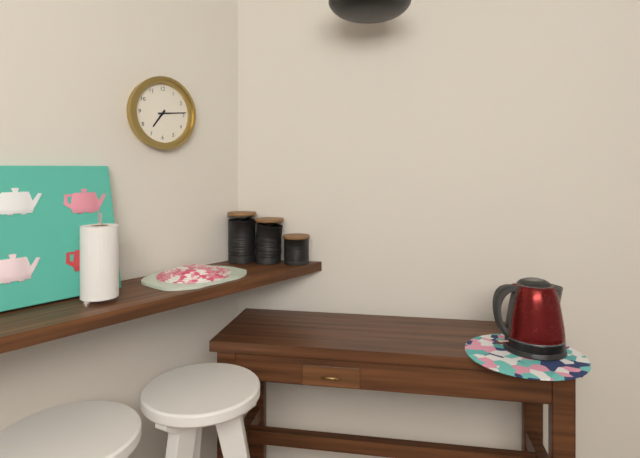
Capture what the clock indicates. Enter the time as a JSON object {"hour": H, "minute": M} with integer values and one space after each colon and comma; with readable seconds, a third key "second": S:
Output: {"hour": 7, "minute": 14}
